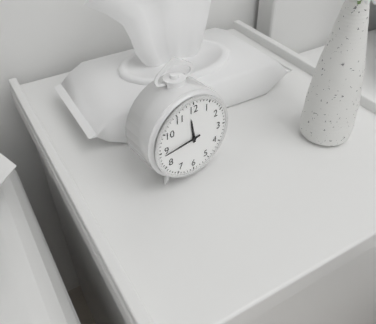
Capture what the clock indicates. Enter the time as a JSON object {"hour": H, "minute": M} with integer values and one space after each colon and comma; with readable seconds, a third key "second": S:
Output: {"hour": 11, "minute": 44}
